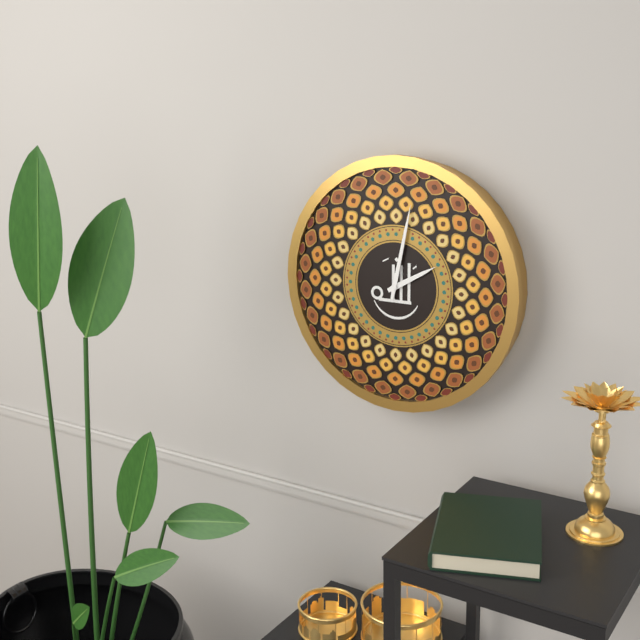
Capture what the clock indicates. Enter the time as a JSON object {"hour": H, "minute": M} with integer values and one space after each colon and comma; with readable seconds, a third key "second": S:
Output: {"hour": 2, "minute": 2}
